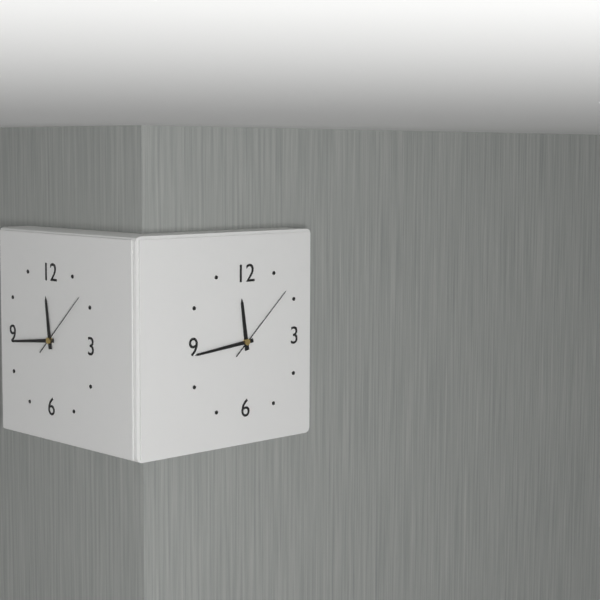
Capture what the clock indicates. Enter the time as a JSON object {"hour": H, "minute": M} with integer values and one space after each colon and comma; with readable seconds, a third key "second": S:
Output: {"hour": 11, "minute": 44, "second": 8}
